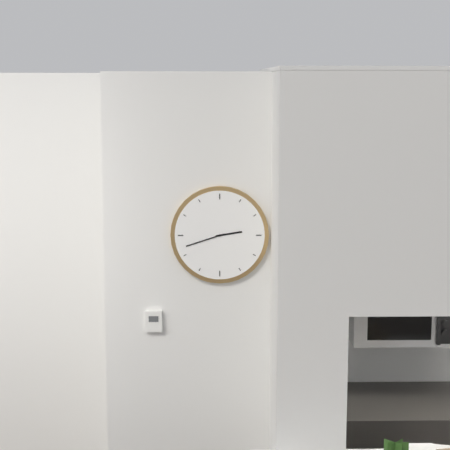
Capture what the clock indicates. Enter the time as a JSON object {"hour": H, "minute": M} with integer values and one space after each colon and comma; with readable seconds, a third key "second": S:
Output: {"hour": 2, "minute": 42}
